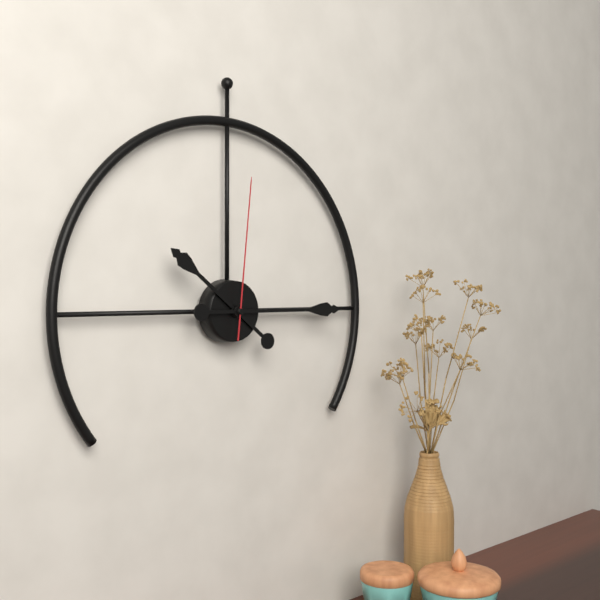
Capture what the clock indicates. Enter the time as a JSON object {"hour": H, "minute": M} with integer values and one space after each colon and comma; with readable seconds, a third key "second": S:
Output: {"hour": 10, "minute": 15, "second": 1}
